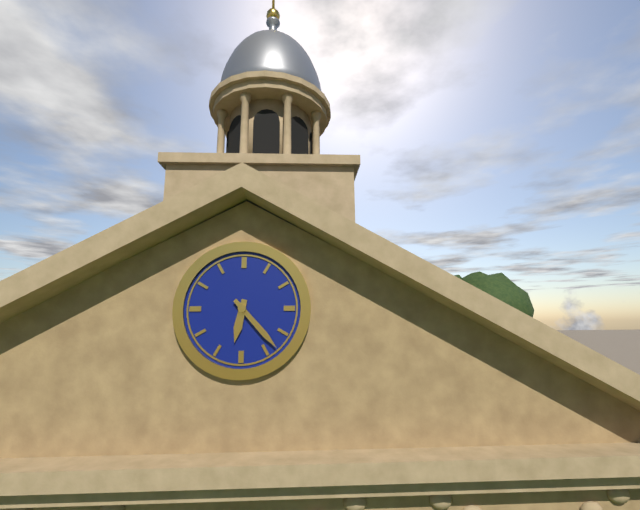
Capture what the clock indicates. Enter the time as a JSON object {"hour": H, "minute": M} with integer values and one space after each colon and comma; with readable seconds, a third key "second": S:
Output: {"hour": 6, "minute": 23}
